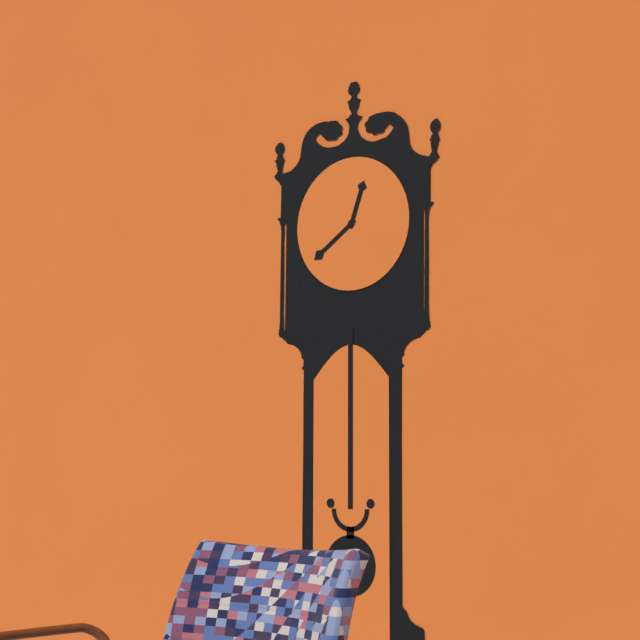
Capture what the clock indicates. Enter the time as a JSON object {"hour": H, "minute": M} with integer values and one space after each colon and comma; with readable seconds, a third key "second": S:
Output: {"hour": 12, "minute": 39}
